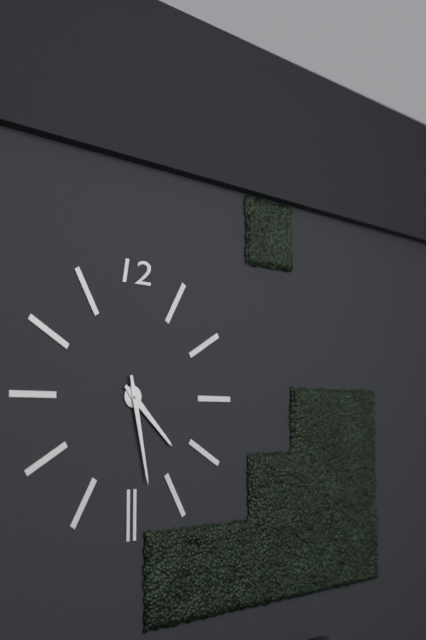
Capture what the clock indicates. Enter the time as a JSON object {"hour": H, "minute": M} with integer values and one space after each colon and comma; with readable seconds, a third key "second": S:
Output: {"hour": 4, "minute": 28}
